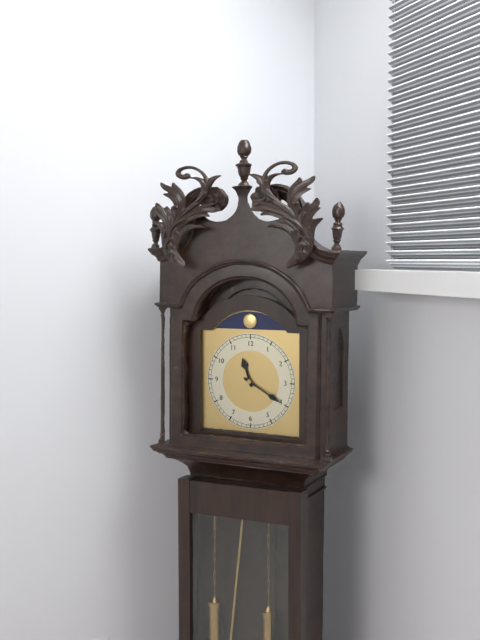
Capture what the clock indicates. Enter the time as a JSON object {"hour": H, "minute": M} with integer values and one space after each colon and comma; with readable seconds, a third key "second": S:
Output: {"hour": 11, "minute": 20}
